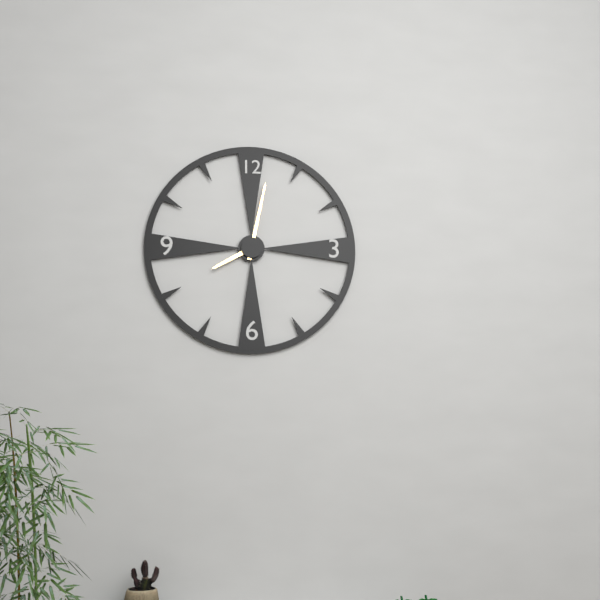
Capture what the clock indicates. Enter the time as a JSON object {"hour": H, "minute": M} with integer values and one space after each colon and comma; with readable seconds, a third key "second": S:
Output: {"hour": 8, "minute": 2}
